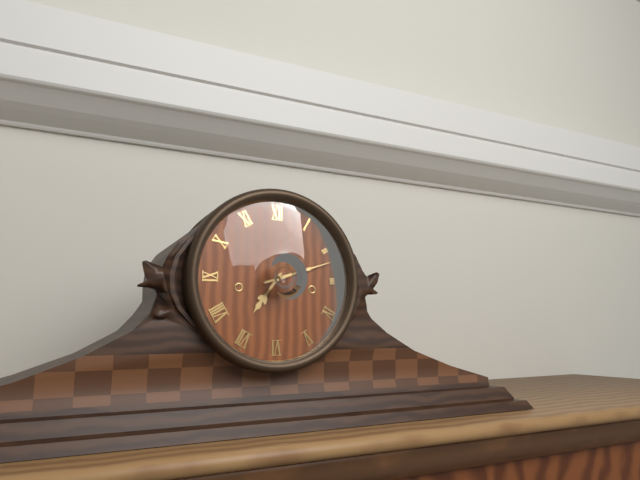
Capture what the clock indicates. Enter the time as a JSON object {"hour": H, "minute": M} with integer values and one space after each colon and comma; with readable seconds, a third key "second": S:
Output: {"hour": 7, "minute": 12}
